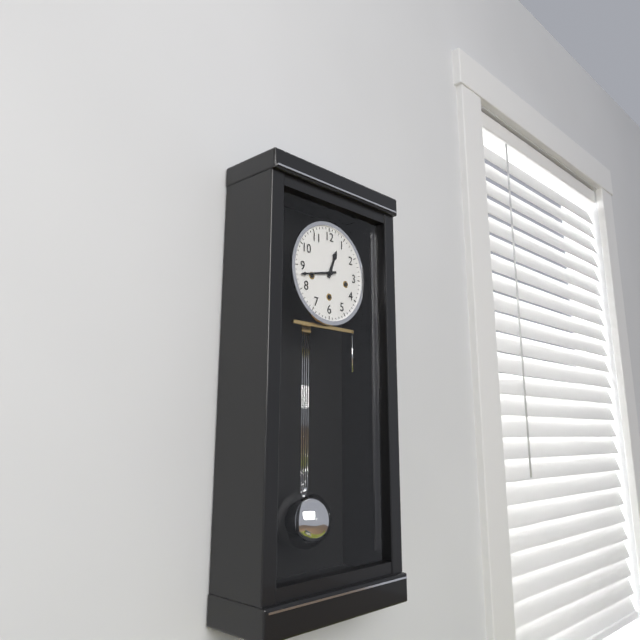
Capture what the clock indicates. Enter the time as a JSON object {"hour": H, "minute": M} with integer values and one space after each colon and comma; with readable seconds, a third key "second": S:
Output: {"hour": 12, "minute": 43}
